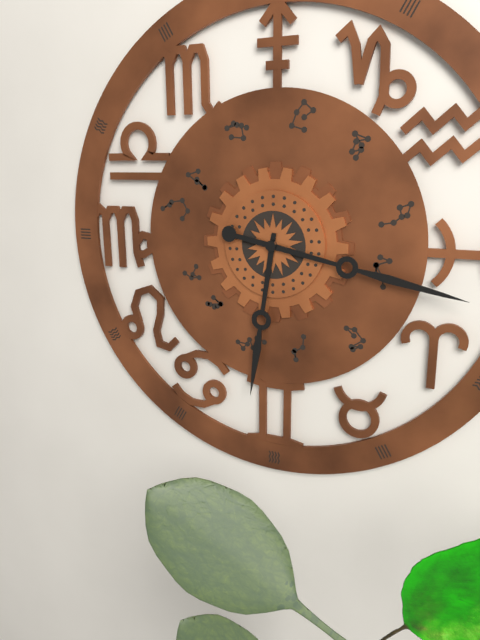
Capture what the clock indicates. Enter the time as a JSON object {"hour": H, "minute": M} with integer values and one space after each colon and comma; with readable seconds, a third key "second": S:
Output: {"hour": 6, "minute": 17}
